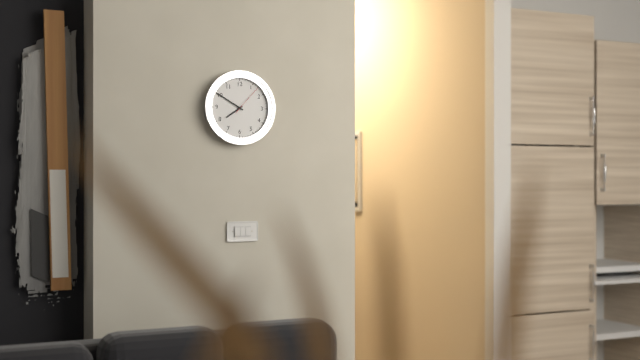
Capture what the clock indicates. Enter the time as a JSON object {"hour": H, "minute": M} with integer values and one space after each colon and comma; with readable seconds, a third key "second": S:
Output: {"hour": 7, "minute": 50}
